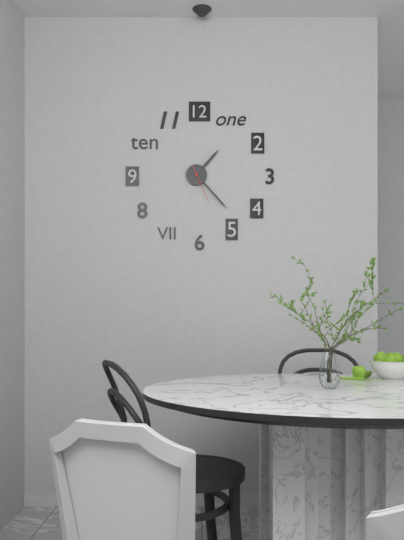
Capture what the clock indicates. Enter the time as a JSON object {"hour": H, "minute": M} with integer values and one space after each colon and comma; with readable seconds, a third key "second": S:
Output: {"hour": 1, "minute": 23}
